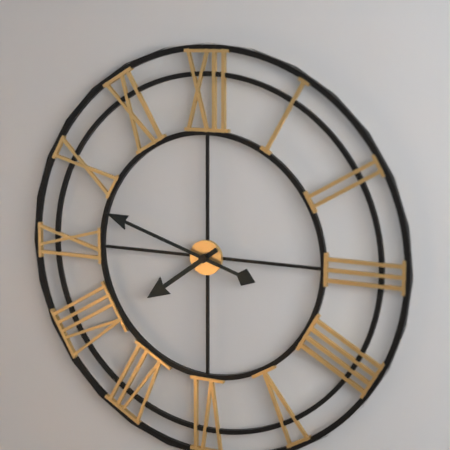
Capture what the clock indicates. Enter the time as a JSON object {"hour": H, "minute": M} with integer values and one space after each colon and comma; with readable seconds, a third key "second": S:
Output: {"hour": 7, "minute": 48}
